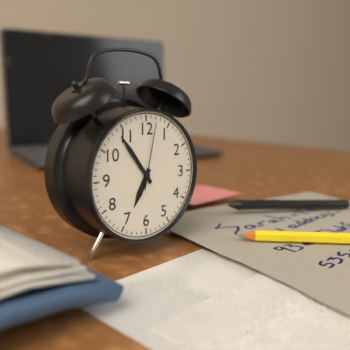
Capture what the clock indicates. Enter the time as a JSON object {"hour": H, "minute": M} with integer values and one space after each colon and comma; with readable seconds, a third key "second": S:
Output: {"hour": 6, "minute": 54, "second": 2}
